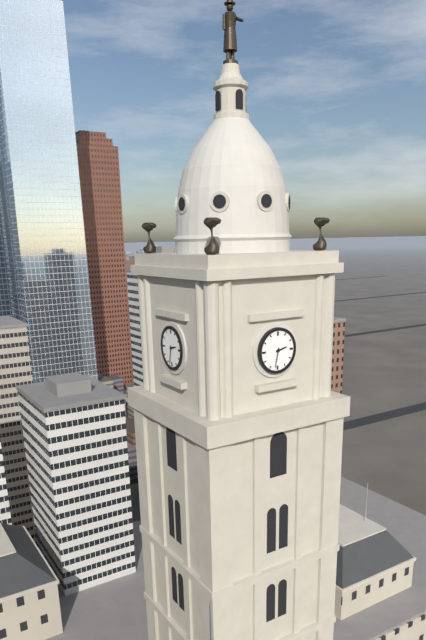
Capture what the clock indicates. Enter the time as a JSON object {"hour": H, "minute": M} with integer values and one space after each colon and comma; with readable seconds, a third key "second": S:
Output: {"hour": 2, "minute": 32}
